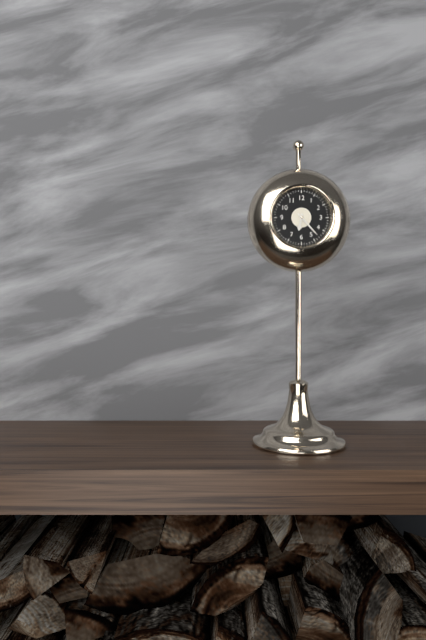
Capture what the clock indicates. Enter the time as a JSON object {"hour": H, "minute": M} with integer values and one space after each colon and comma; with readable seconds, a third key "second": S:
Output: {"hour": 6, "minute": 23}
